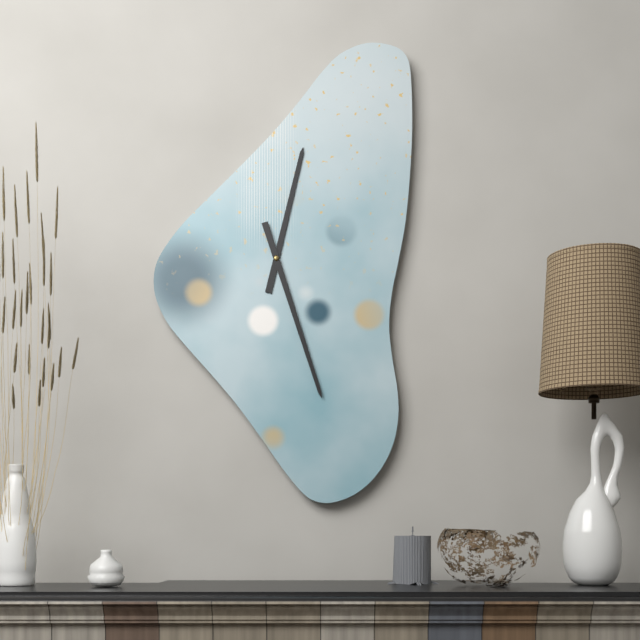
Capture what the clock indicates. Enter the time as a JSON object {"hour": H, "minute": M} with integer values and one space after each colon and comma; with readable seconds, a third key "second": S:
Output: {"hour": 12, "minute": 27}
